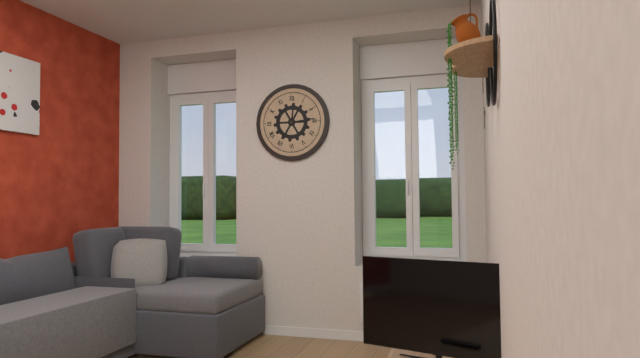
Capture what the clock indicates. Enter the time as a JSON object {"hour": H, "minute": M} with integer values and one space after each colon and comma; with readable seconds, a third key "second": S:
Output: {"hour": 12, "minute": 14}
